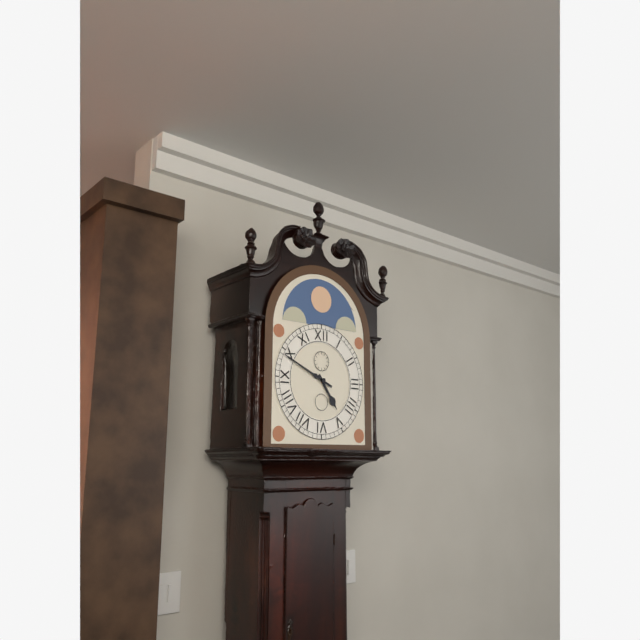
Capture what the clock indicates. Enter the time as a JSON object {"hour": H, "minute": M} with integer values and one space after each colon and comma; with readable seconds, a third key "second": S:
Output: {"hour": 4, "minute": 49}
